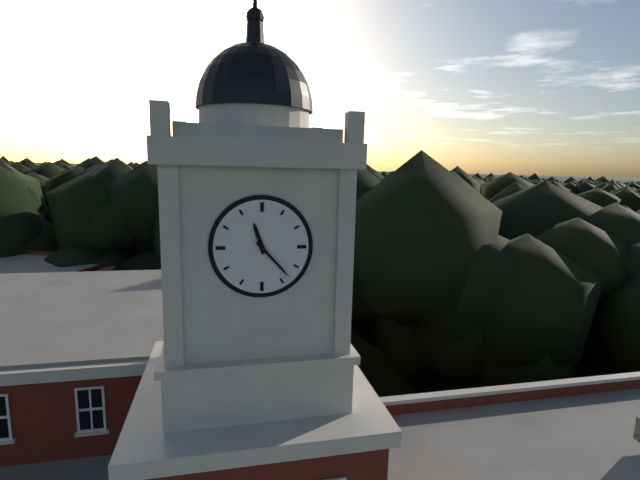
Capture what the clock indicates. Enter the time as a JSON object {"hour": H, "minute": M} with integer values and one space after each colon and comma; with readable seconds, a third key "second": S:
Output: {"hour": 11, "minute": 23}
